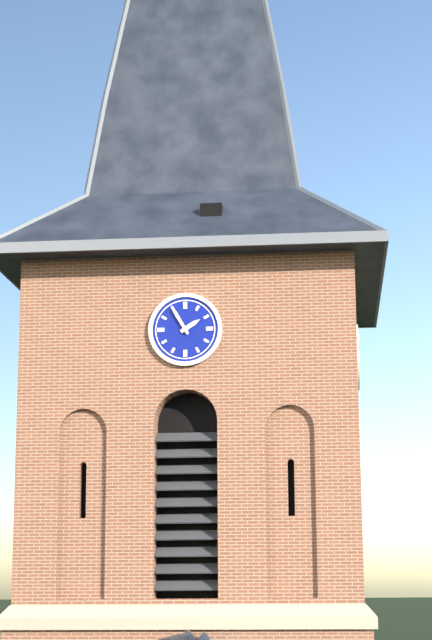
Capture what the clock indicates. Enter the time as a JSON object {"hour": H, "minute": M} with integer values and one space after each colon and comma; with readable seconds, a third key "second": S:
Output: {"hour": 1, "minute": 55}
